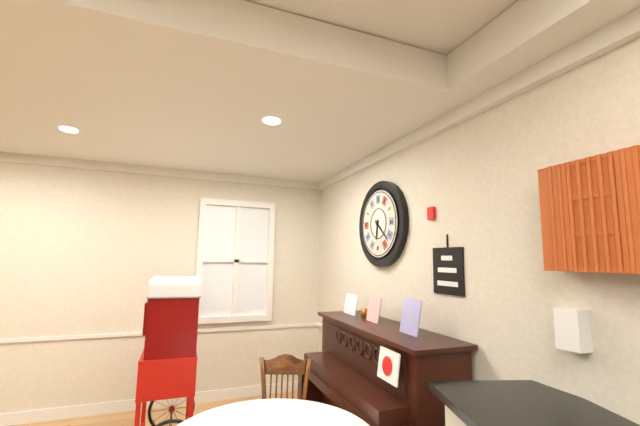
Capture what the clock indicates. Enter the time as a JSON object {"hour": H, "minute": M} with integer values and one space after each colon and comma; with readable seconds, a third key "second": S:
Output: {"hour": 6, "minute": 22}
